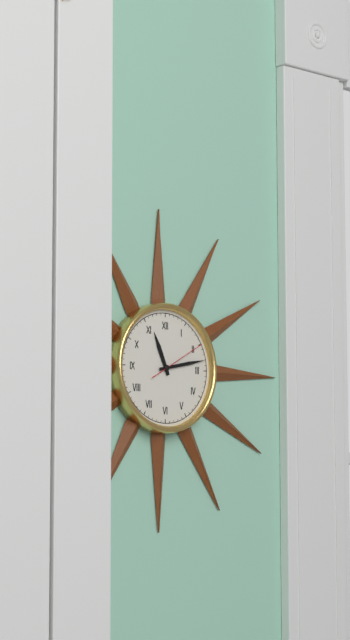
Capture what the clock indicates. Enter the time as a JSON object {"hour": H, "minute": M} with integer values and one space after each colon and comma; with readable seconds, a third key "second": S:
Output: {"hour": 11, "minute": 13, "second": 10}
